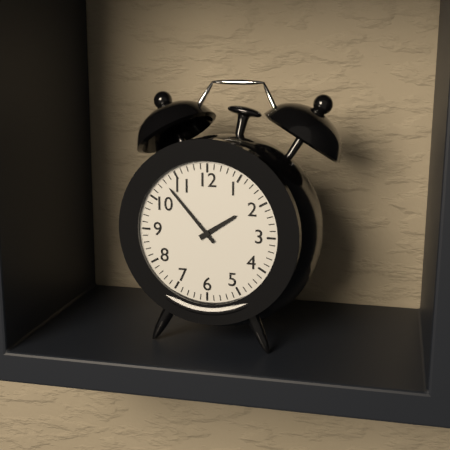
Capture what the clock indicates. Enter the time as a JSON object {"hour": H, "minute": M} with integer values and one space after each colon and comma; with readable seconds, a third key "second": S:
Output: {"hour": 1, "minute": 53}
